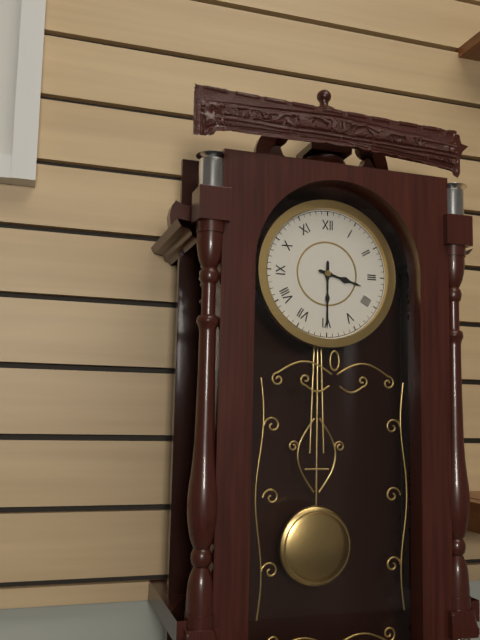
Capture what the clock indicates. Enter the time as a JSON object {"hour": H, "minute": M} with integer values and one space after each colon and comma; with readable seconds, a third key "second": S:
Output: {"hour": 3, "minute": 30}
